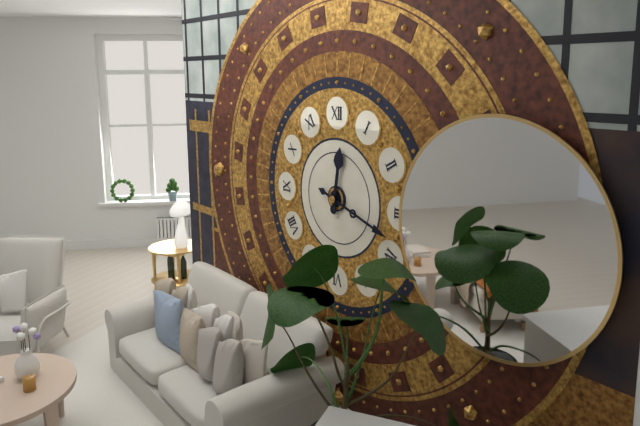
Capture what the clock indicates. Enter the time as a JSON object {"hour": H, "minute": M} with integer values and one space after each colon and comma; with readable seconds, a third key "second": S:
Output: {"hour": 12, "minute": 18}
